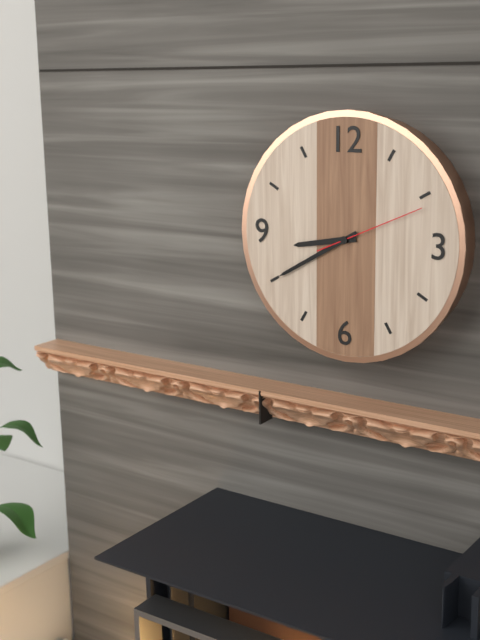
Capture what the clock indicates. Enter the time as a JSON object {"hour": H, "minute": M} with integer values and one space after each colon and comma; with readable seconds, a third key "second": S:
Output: {"hour": 8, "minute": 40, "second": 11}
